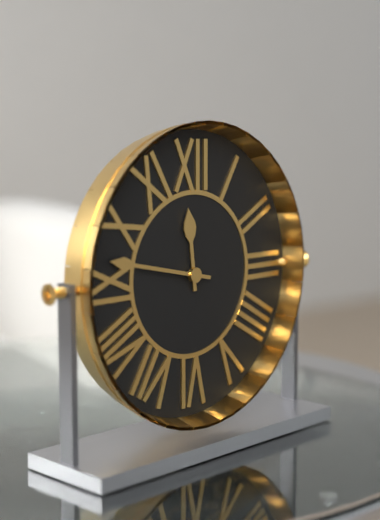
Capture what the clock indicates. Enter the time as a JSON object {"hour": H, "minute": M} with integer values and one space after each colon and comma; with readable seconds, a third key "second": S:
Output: {"hour": 11, "minute": 47}
